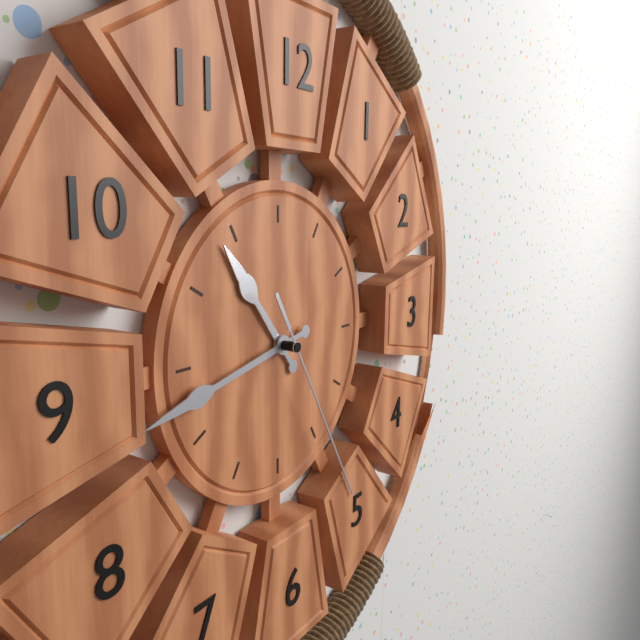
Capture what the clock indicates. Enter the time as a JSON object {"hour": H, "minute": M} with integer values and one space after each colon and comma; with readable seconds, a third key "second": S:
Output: {"hour": 10, "minute": 43, "second": 25}
